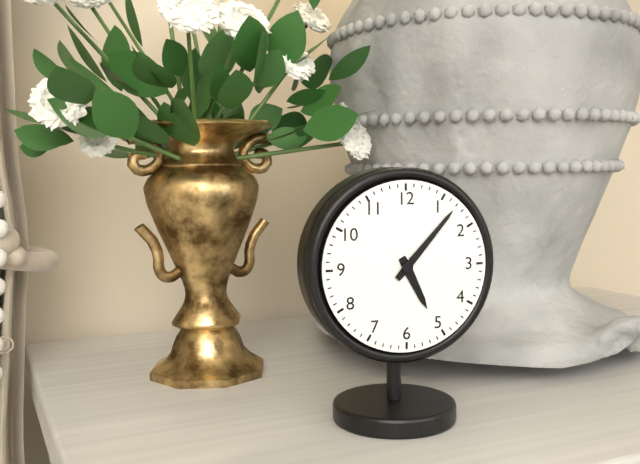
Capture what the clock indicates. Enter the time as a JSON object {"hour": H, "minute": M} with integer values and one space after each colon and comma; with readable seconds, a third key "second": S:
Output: {"hour": 5, "minute": 7}
